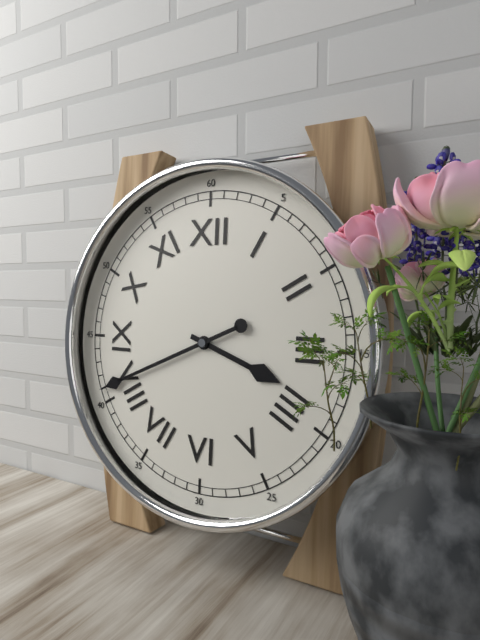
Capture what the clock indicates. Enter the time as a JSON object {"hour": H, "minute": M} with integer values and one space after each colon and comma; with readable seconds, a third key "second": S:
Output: {"hour": 3, "minute": 41}
